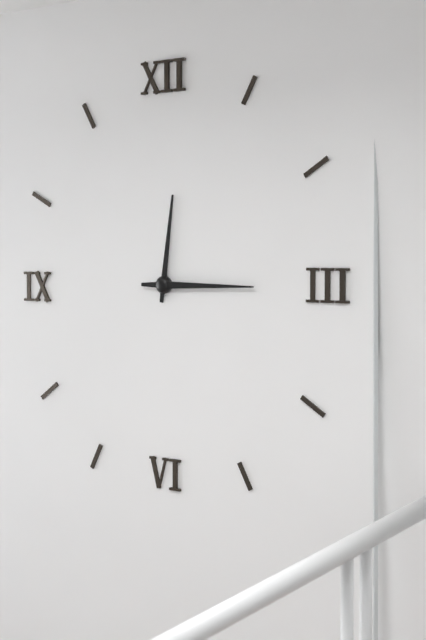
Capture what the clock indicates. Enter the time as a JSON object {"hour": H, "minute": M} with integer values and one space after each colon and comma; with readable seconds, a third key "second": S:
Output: {"hour": 12, "minute": 15}
